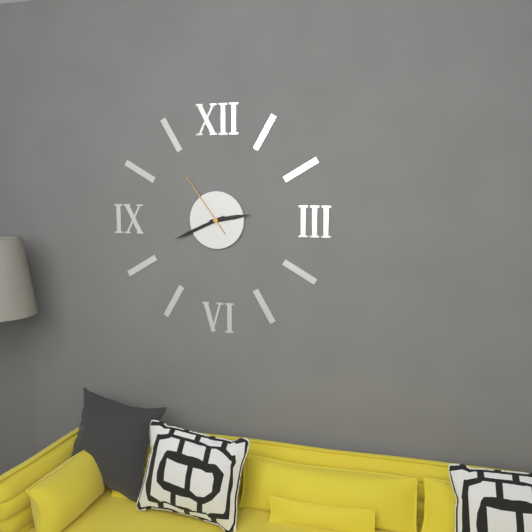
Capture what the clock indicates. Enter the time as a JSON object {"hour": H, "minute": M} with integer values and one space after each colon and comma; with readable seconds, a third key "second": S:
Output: {"hour": 2, "minute": 41, "second": 54}
